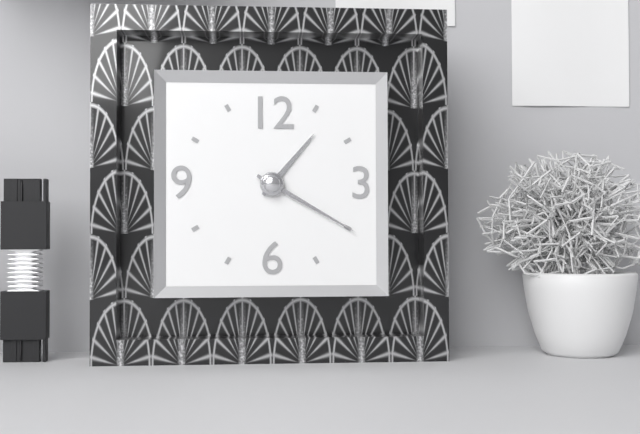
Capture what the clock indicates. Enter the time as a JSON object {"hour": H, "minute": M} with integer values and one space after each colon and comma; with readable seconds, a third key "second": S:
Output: {"hour": 1, "minute": 20}
